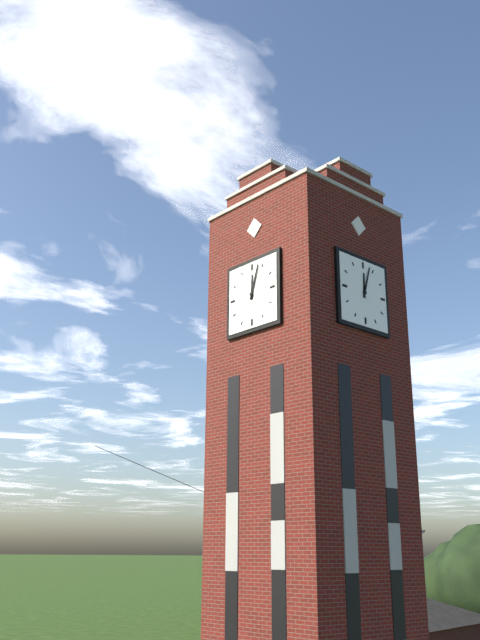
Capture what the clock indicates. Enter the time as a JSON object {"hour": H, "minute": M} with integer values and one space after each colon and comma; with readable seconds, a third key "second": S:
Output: {"hour": 12, "minute": 3}
